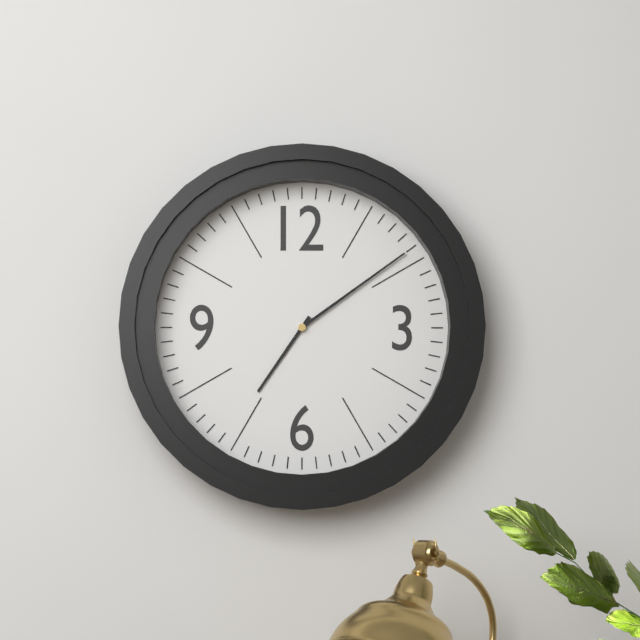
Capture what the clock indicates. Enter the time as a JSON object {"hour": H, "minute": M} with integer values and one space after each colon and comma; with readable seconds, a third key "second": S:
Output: {"hour": 7, "minute": 9}
